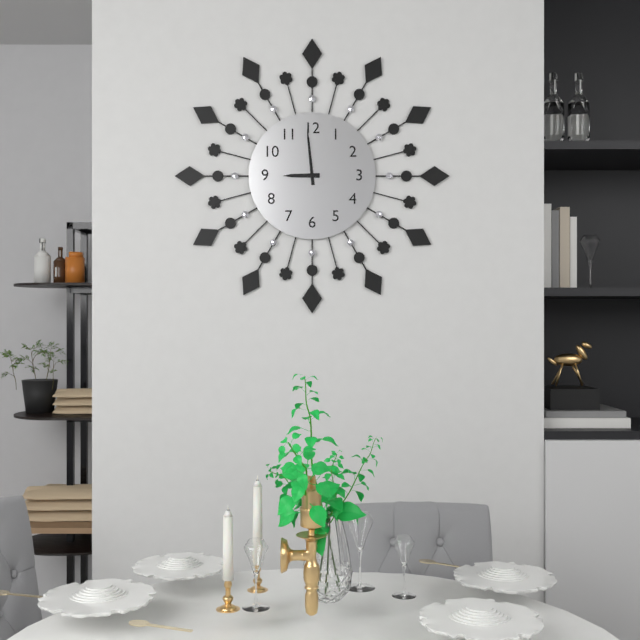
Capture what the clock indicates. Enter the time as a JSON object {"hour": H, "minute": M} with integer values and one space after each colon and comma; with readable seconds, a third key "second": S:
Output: {"hour": 8, "minute": 59}
